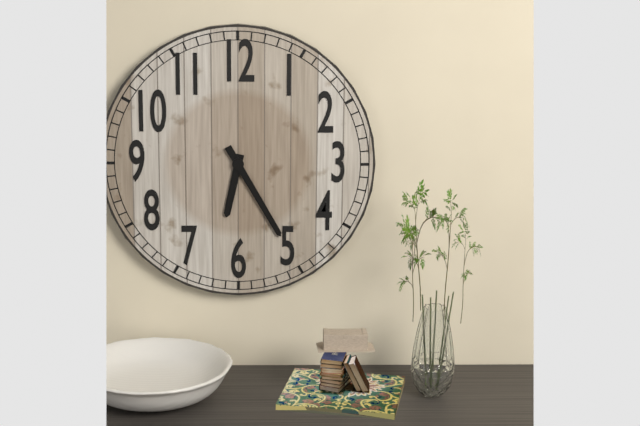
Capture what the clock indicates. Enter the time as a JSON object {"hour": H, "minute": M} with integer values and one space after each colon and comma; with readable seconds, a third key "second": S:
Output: {"hour": 6, "minute": 25}
